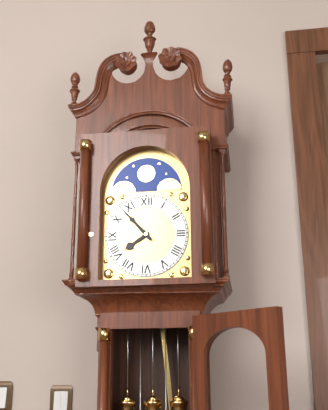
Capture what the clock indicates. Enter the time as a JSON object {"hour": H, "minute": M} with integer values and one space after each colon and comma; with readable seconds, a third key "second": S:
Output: {"hour": 7, "minute": 53}
